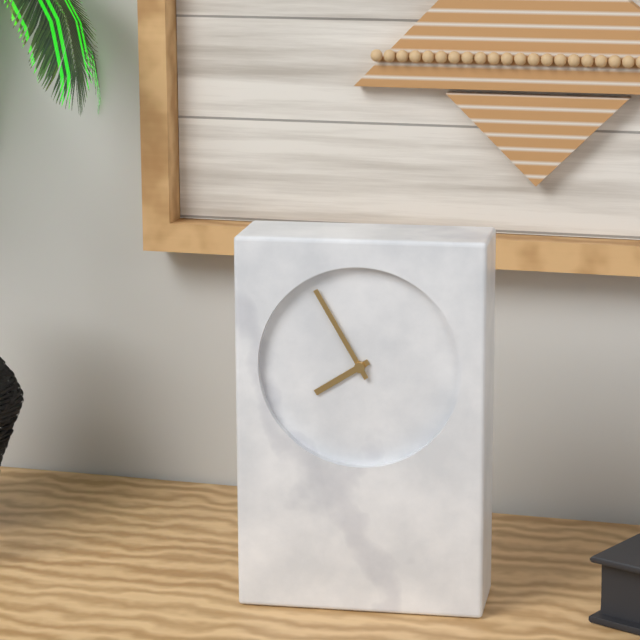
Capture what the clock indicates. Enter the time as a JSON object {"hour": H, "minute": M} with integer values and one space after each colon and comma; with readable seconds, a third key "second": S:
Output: {"hour": 7, "minute": 55}
